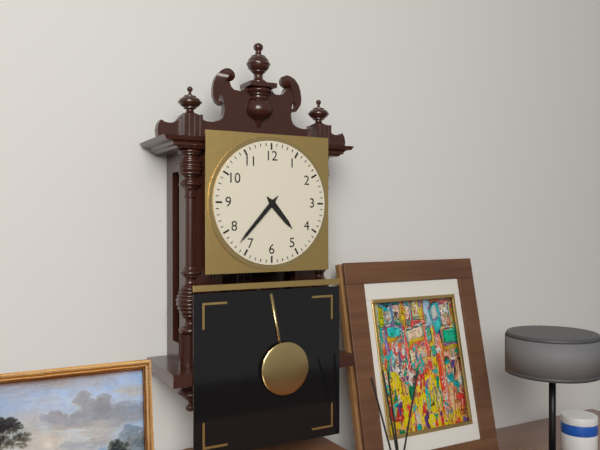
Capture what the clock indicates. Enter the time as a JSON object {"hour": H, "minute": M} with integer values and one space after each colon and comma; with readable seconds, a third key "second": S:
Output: {"hour": 4, "minute": 37}
